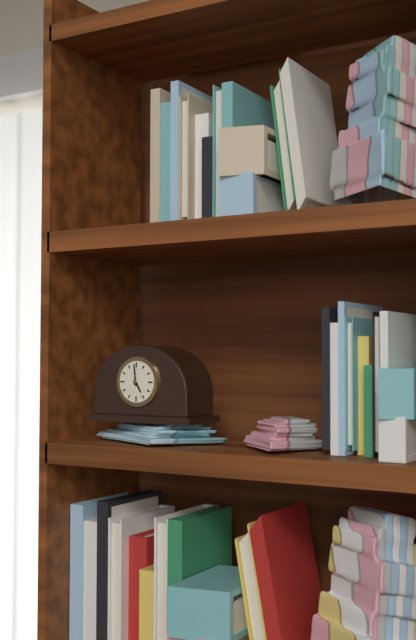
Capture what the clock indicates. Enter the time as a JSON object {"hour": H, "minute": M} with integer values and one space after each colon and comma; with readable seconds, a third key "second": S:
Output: {"hour": 4, "minute": 59}
